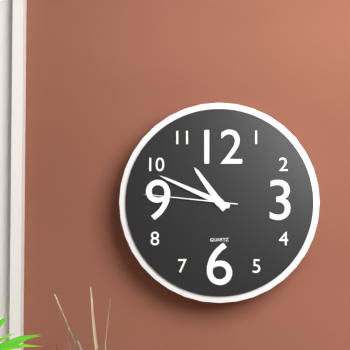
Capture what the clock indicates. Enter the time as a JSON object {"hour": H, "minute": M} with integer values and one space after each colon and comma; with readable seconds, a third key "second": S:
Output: {"hour": 10, "minute": 49, "second": 46}
